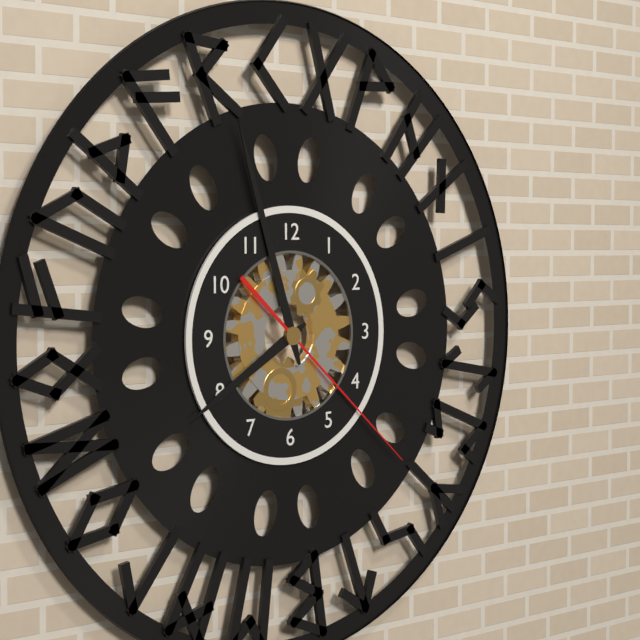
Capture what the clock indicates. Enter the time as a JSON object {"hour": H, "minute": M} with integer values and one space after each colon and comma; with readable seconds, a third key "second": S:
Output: {"hour": 7, "minute": 57, "second": 22}
